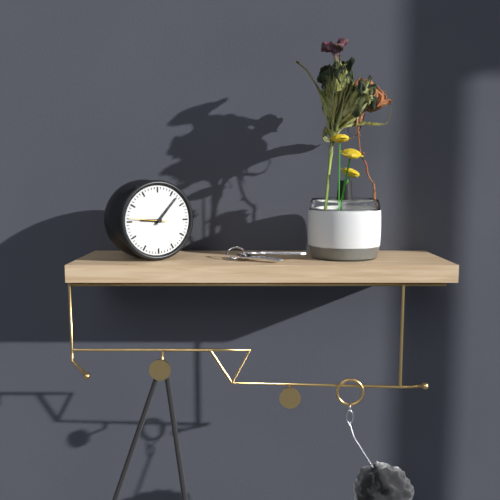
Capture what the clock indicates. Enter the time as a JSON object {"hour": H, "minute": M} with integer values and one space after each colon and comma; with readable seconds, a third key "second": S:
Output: {"hour": 9, "minute": 7}
